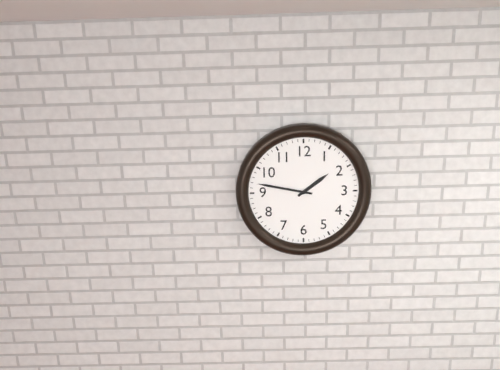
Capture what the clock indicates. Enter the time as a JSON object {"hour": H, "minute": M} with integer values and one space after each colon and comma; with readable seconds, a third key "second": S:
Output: {"hour": 1, "minute": 47}
